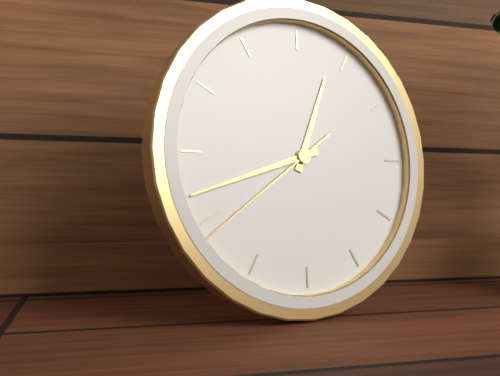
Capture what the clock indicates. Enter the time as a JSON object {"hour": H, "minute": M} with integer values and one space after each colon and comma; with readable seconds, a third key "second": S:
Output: {"hour": 12, "minute": 42, "second": 39}
